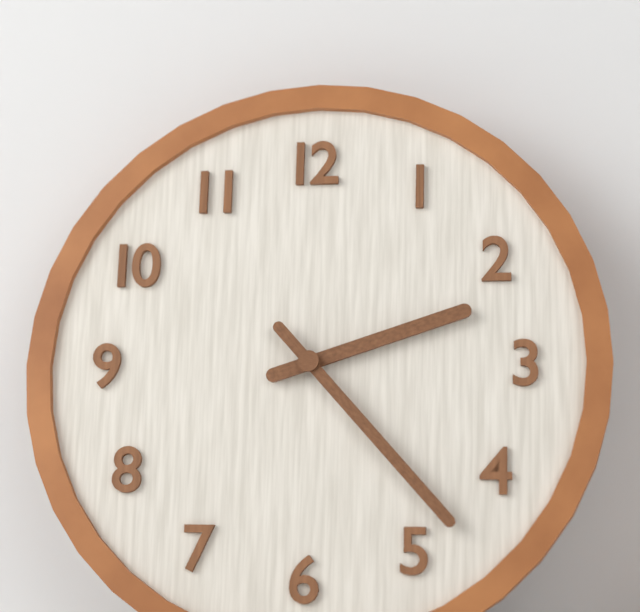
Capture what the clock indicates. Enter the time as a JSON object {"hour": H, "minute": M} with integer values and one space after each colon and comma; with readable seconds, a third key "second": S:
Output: {"hour": 2, "minute": 23}
